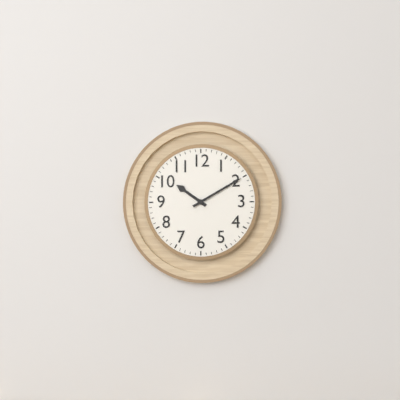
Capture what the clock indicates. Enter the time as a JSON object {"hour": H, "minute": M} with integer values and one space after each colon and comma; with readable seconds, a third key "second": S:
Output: {"hour": 10, "minute": 10}
